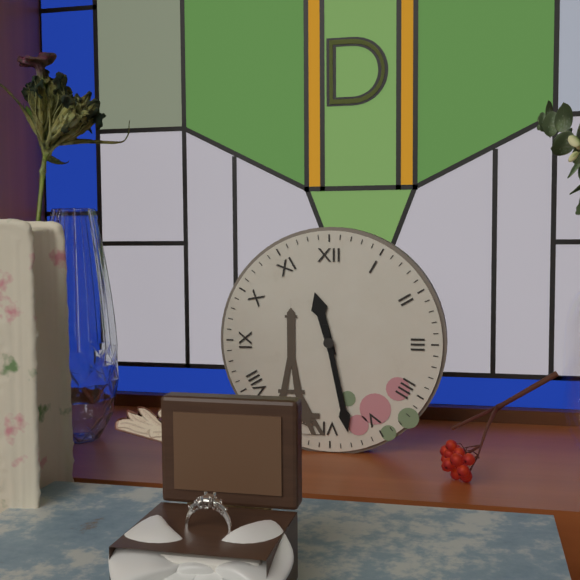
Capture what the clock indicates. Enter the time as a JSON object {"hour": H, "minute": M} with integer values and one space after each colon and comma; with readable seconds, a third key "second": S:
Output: {"hour": 11, "minute": 28}
